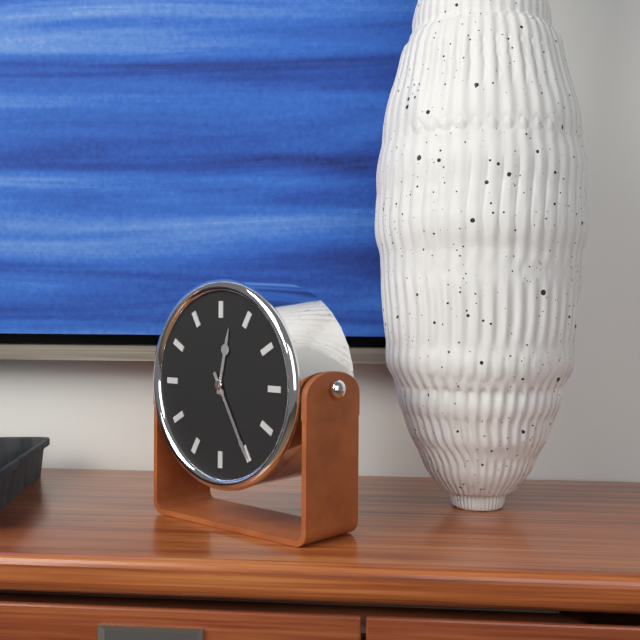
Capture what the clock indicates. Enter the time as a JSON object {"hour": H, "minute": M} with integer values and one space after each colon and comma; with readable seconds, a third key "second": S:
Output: {"hour": 12, "minute": 25}
